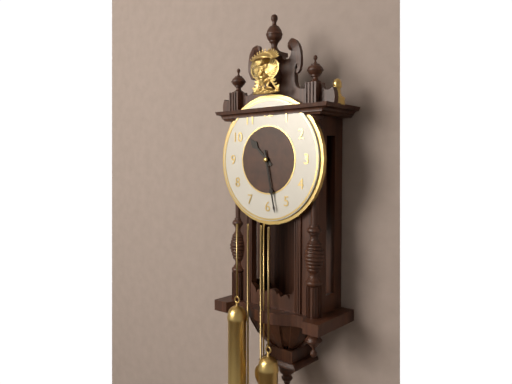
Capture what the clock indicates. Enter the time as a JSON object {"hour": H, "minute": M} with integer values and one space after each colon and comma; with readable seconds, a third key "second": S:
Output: {"hour": 10, "minute": 28}
